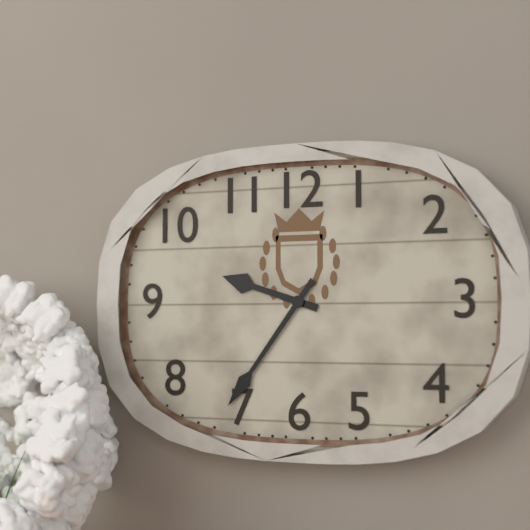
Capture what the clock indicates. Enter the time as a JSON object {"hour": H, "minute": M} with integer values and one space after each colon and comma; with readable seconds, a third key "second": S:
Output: {"hour": 9, "minute": 36}
